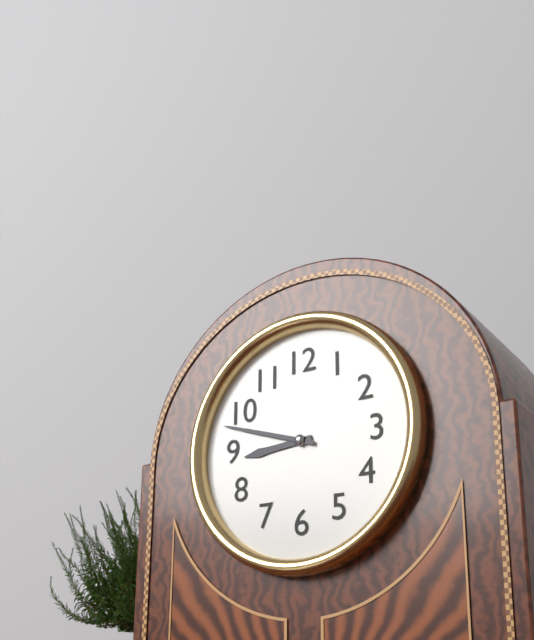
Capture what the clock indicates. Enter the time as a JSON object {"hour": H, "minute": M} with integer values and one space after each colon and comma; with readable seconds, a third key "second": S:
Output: {"hour": 8, "minute": 48}
